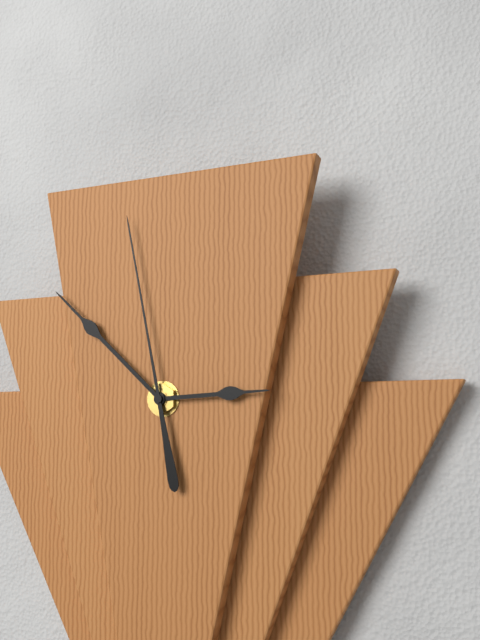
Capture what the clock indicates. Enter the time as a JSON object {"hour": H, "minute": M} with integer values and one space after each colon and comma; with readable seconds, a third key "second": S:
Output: {"hour": 2, "minute": 52, "second": 58}
